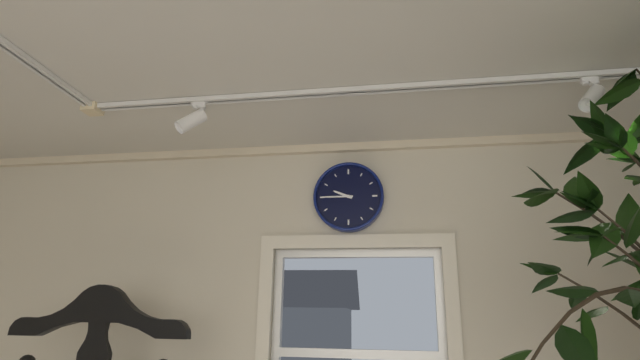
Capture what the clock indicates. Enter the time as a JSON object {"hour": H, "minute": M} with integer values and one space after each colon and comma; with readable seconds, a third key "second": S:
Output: {"hour": 9, "minute": 45}
